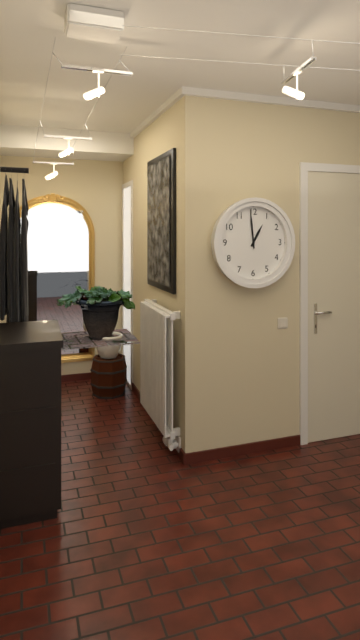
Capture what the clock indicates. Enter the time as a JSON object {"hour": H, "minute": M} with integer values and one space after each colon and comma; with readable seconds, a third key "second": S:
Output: {"hour": 12, "minute": 59}
